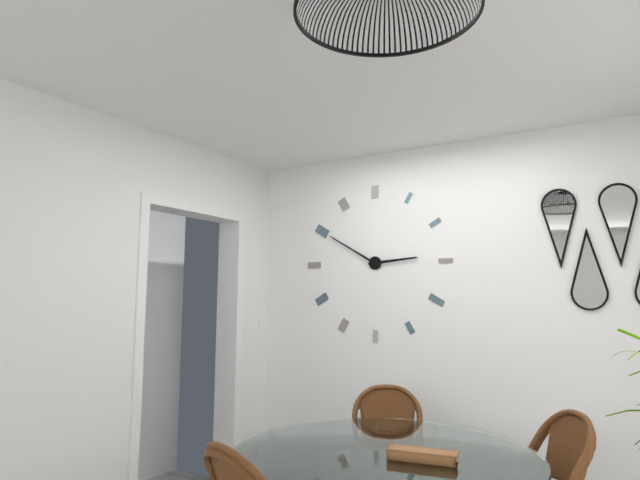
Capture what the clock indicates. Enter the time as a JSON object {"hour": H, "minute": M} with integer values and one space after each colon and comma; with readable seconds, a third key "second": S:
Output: {"hour": 2, "minute": 50}
